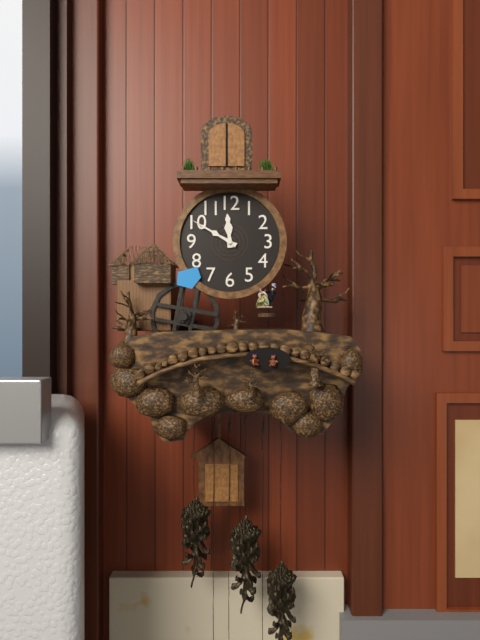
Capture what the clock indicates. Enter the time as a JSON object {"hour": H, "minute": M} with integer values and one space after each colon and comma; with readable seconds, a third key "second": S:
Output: {"hour": 11, "minute": 50}
